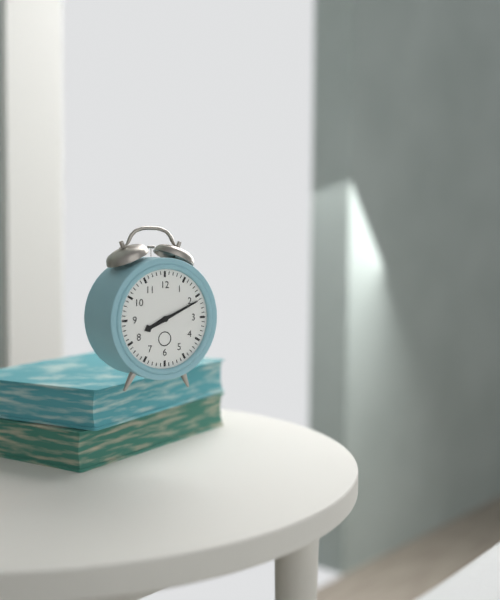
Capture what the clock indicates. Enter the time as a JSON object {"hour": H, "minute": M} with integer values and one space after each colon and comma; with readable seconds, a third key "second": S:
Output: {"hour": 8, "minute": 11}
